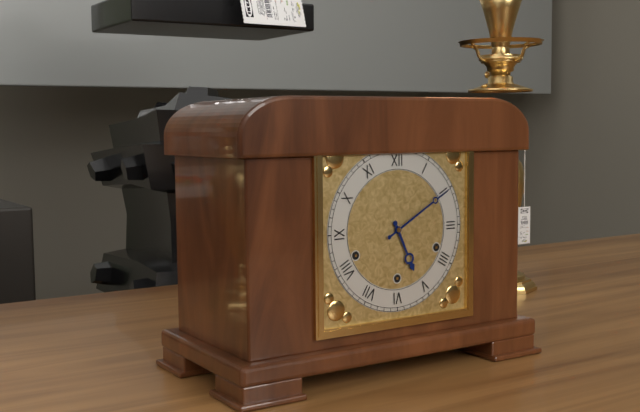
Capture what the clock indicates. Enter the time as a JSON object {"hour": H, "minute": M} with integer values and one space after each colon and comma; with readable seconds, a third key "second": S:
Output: {"hour": 5, "minute": 10}
